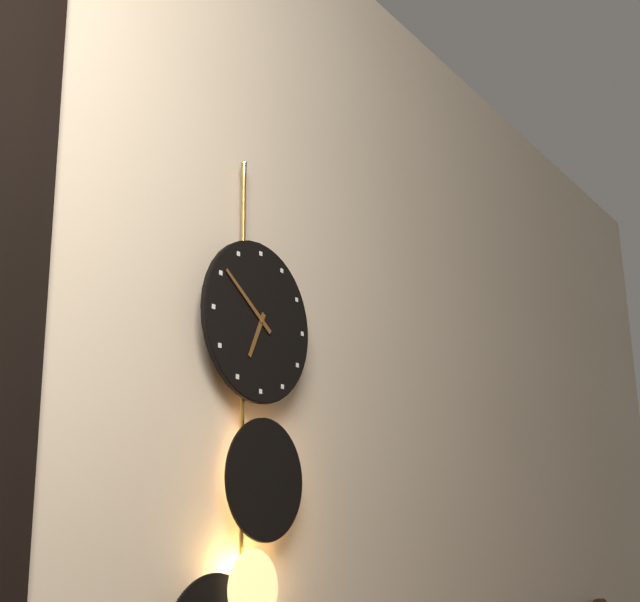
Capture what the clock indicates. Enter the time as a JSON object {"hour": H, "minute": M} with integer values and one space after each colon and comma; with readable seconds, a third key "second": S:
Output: {"hour": 6, "minute": 51}
